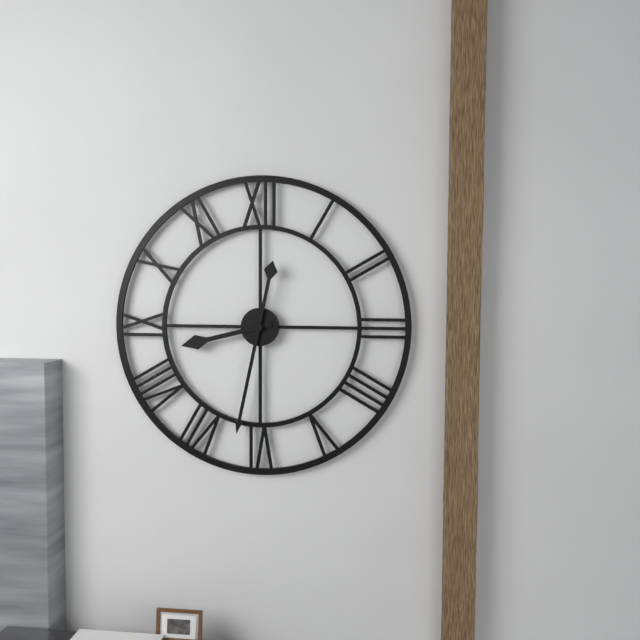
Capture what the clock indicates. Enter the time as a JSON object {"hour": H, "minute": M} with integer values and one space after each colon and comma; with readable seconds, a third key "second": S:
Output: {"hour": 8, "minute": 32}
